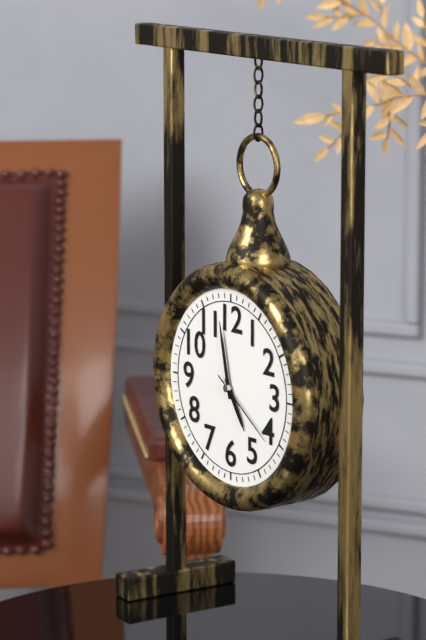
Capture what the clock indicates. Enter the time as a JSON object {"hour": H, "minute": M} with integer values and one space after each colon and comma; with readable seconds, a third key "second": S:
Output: {"hour": 4, "minute": 58, "second": 21}
